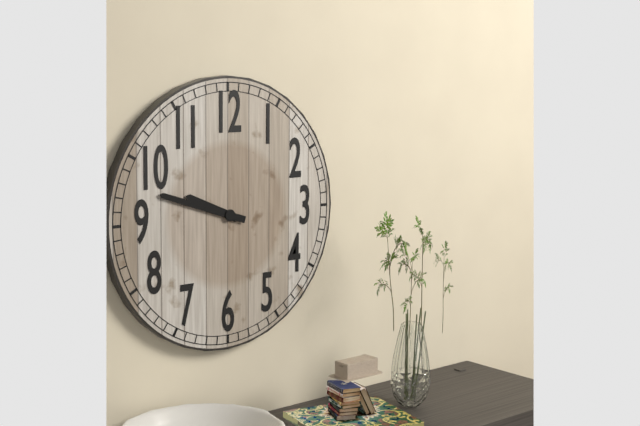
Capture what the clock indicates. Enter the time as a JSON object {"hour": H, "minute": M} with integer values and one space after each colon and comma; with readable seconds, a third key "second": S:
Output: {"hour": 9, "minute": 48}
